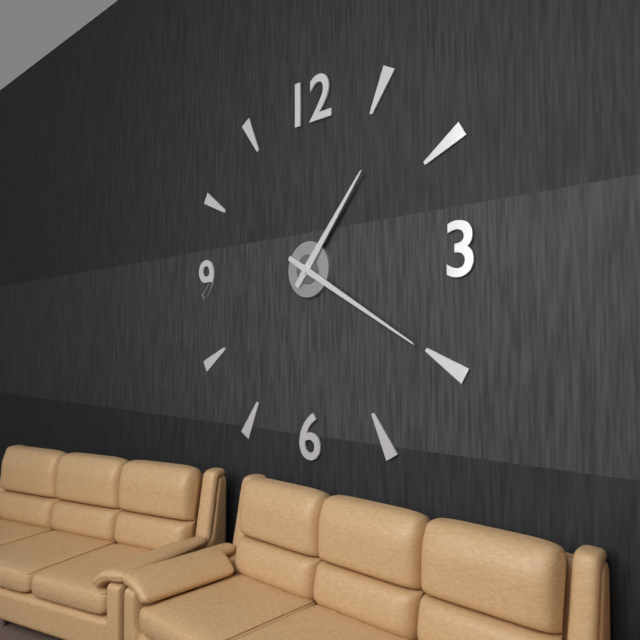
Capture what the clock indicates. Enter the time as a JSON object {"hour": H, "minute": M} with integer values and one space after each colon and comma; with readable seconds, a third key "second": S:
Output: {"hour": 1, "minute": 20}
